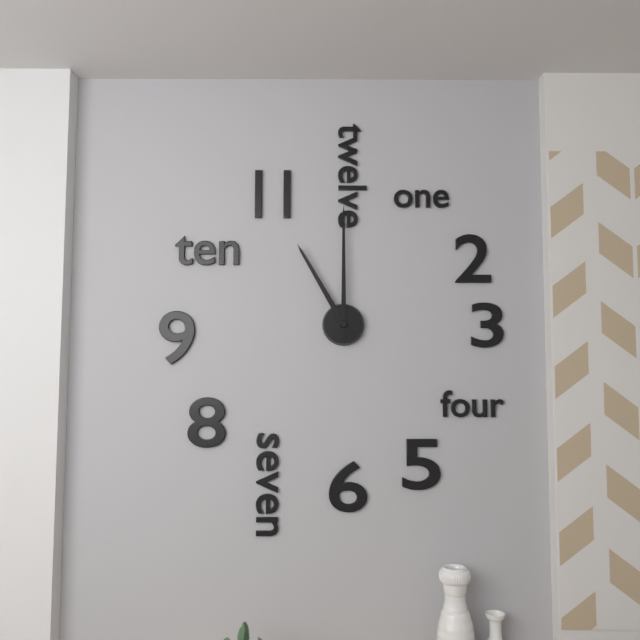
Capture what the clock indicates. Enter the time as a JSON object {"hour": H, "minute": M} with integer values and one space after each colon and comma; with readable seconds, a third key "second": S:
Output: {"hour": 11, "minute": 0}
